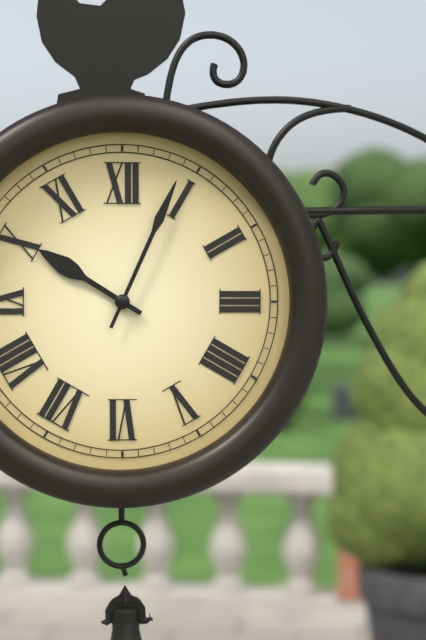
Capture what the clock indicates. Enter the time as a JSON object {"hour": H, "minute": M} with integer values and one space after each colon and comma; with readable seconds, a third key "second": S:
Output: {"hour": 10, "minute": 4}
